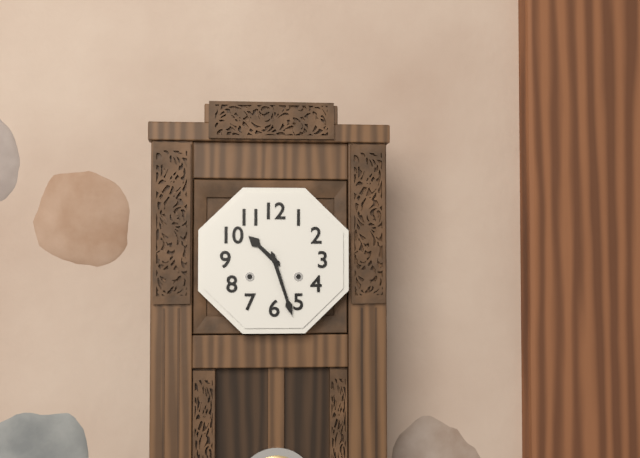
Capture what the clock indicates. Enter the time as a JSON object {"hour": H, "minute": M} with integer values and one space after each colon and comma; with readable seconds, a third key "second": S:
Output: {"hour": 10, "minute": 27}
